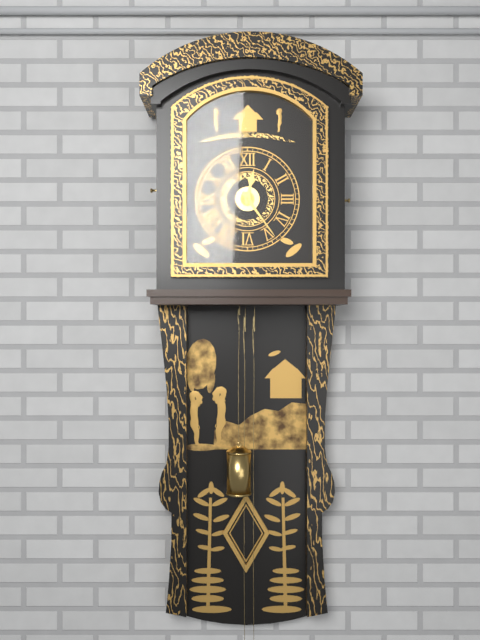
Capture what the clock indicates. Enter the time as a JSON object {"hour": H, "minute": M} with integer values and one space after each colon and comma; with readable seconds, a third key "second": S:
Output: {"hour": 12, "minute": 24}
